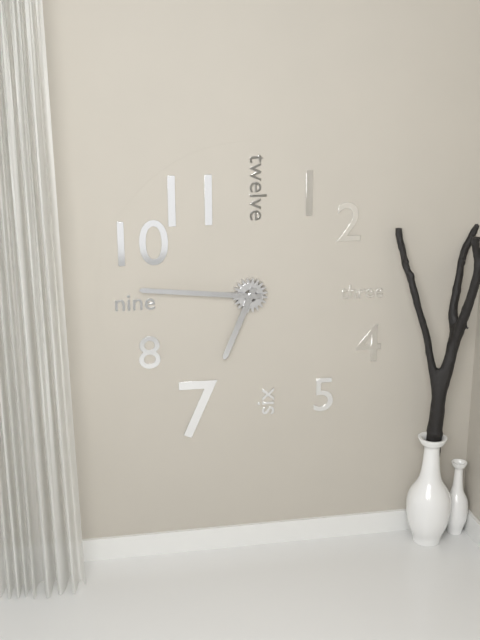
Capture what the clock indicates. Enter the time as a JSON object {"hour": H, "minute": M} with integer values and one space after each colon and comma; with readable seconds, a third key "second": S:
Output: {"hour": 6, "minute": 46}
